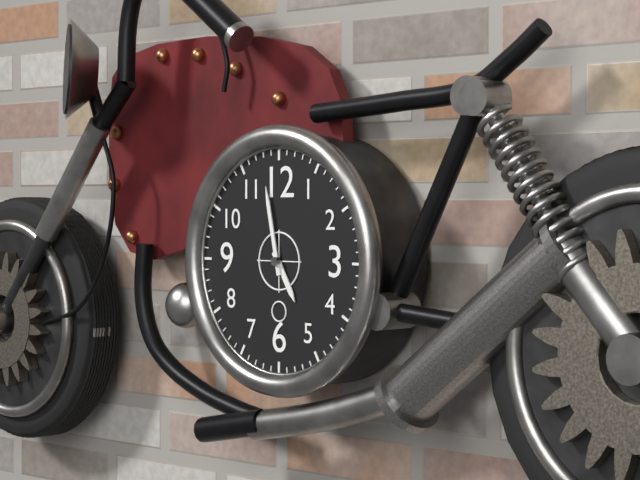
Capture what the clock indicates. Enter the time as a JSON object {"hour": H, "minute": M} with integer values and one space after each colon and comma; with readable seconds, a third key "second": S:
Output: {"hour": 4, "minute": 58}
